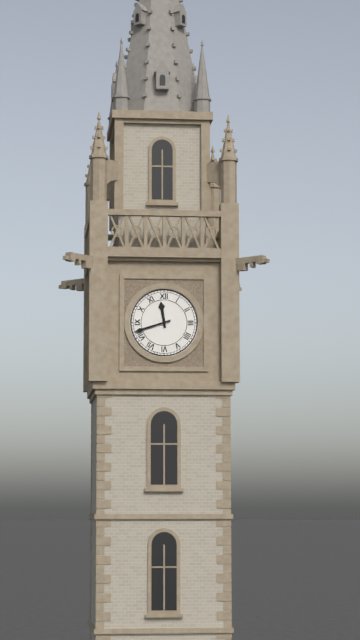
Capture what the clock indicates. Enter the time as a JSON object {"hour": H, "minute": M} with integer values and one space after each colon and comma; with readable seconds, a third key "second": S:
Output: {"hour": 11, "minute": 42}
